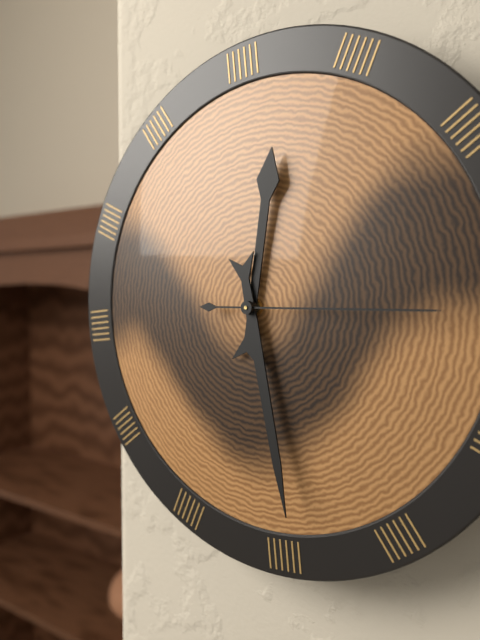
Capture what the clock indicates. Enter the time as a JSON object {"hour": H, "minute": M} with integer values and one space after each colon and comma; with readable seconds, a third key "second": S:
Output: {"hour": 12, "minute": 29, "second": 16}
